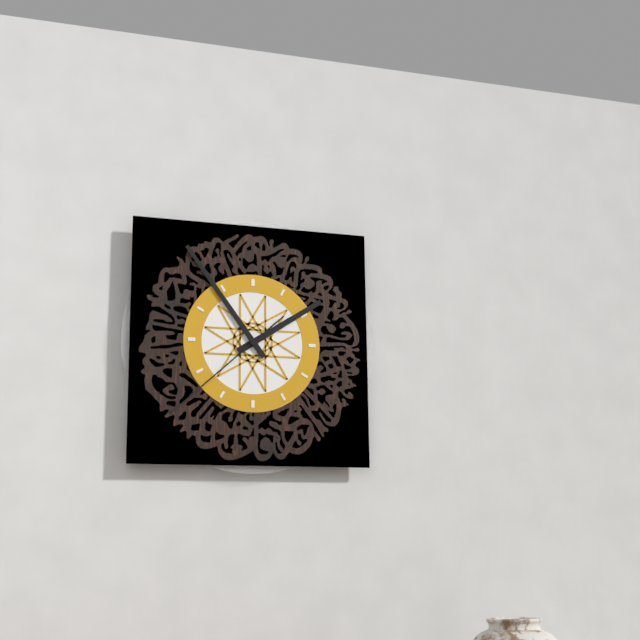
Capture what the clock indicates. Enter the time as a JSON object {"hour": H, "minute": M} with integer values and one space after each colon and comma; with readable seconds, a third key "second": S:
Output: {"hour": 1, "minute": 54, "second": 38}
